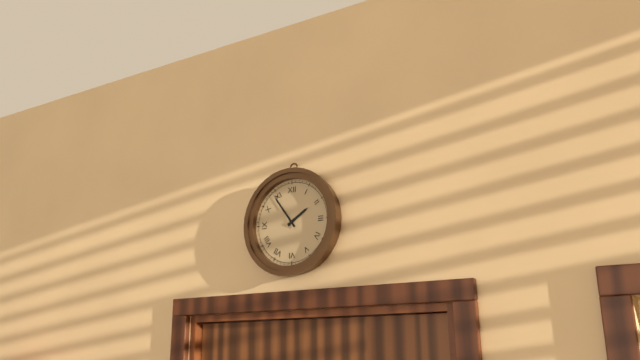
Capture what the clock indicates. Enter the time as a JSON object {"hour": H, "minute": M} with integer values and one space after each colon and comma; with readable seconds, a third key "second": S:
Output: {"hour": 1, "minute": 54}
